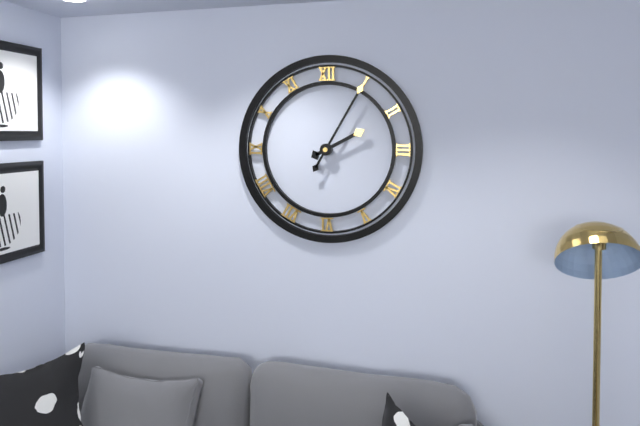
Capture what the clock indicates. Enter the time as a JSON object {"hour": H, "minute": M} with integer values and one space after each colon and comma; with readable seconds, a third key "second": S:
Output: {"hour": 2, "minute": 5}
